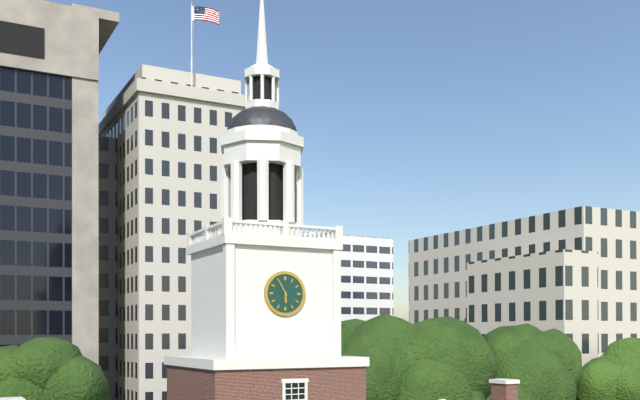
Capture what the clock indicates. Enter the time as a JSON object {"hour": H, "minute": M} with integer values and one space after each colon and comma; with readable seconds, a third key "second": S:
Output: {"hour": 5, "minute": 55}
